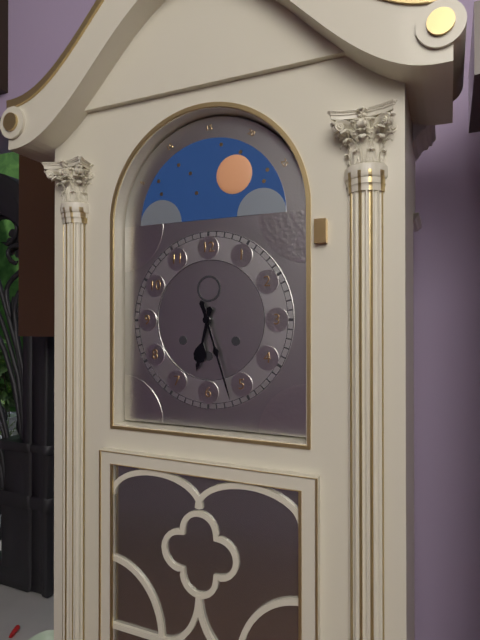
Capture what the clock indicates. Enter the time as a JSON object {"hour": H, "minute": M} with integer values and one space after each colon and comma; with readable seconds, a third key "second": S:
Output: {"hour": 6, "minute": 27}
